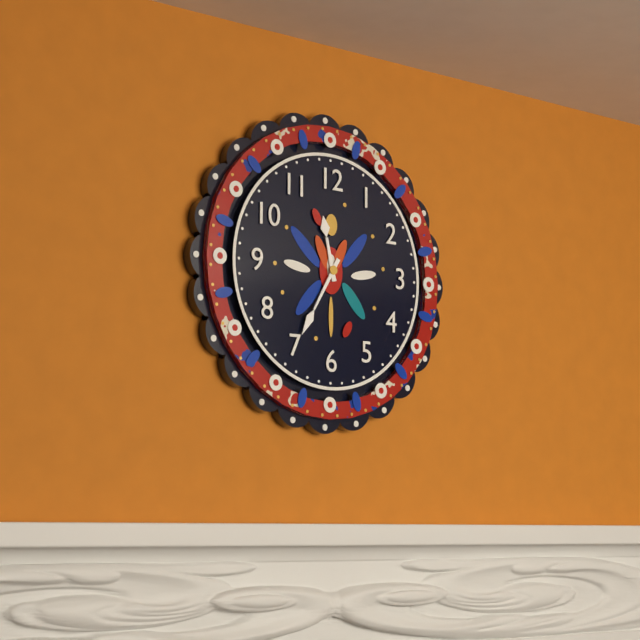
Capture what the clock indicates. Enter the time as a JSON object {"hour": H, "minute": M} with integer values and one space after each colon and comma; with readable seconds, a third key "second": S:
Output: {"hour": 11, "minute": 35}
